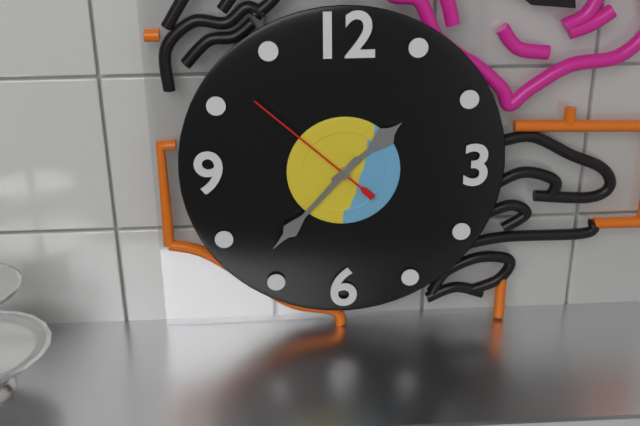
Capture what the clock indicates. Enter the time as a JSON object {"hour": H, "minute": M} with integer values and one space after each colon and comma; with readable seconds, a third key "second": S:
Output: {"hour": 1, "minute": 37, "second": 52}
